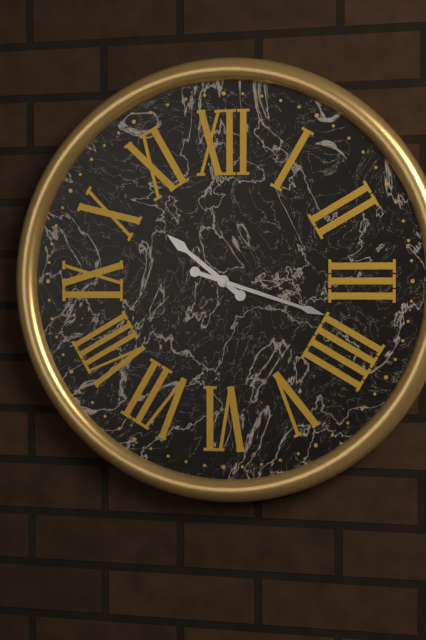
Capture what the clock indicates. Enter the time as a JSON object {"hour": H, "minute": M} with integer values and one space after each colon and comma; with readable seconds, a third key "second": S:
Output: {"hour": 10, "minute": 18}
